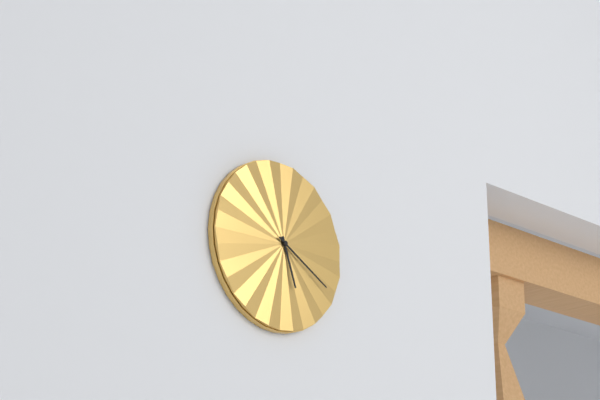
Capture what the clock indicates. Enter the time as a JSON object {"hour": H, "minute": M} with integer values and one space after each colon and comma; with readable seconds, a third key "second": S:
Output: {"hour": 5, "minute": 20}
